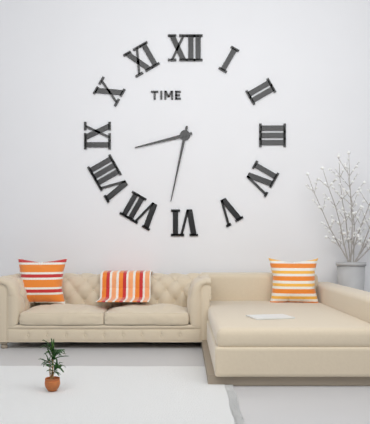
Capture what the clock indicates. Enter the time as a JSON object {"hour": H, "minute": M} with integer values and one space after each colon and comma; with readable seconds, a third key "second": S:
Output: {"hour": 8, "minute": 32}
